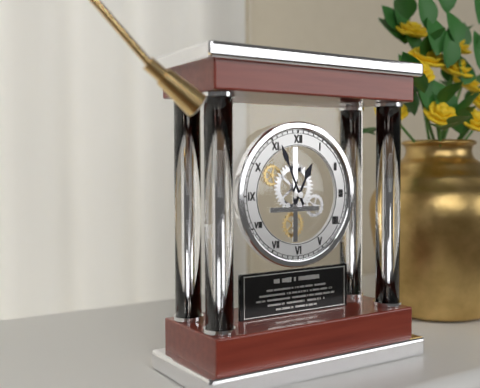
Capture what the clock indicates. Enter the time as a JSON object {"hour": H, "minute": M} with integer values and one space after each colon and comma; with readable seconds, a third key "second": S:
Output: {"hour": 12, "minute": 56}
